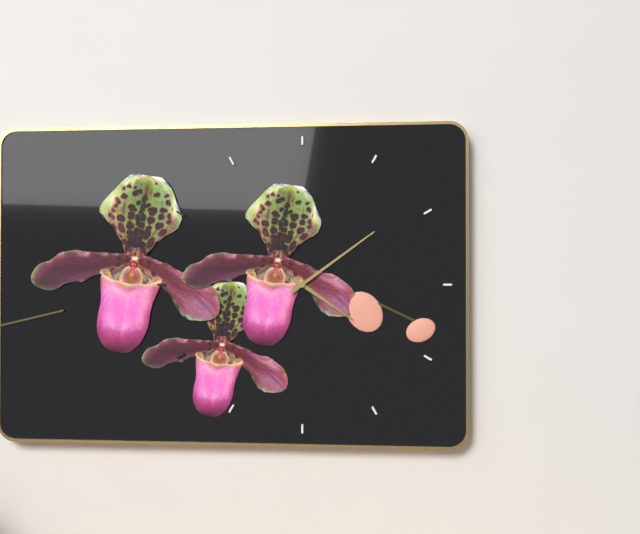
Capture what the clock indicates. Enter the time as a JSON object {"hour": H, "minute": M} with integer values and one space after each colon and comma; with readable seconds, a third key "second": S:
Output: {"hour": 4, "minute": 9}
